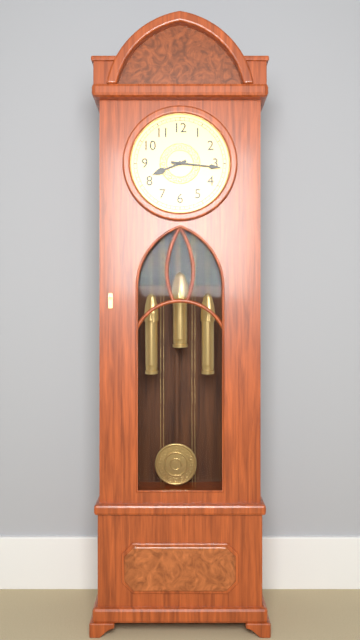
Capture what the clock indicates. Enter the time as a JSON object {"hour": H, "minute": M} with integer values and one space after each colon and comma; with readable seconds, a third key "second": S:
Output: {"hour": 8, "minute": 16}
